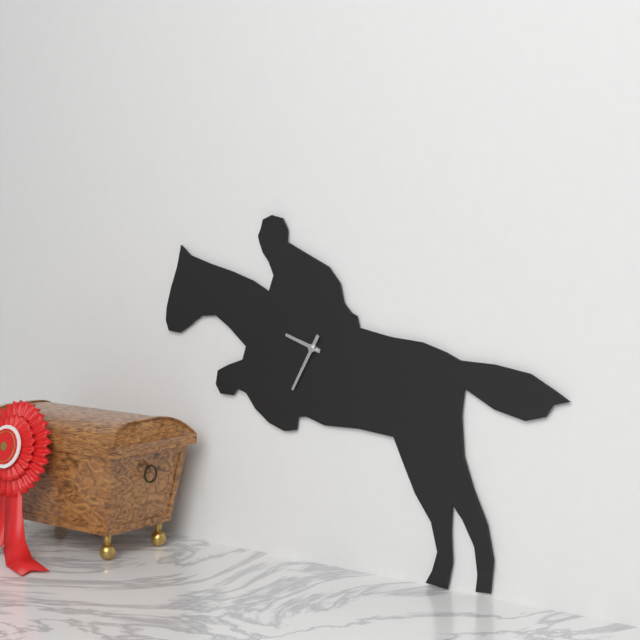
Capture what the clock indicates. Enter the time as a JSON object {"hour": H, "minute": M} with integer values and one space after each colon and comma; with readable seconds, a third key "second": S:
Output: {"hour": 9, "minute": 35}
